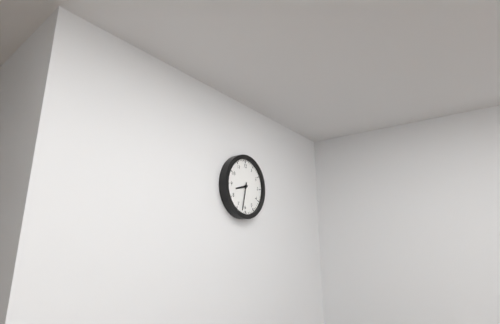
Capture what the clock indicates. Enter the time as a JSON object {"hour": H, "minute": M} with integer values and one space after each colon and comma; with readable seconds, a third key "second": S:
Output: {"hour": 8, "minute": 32}
